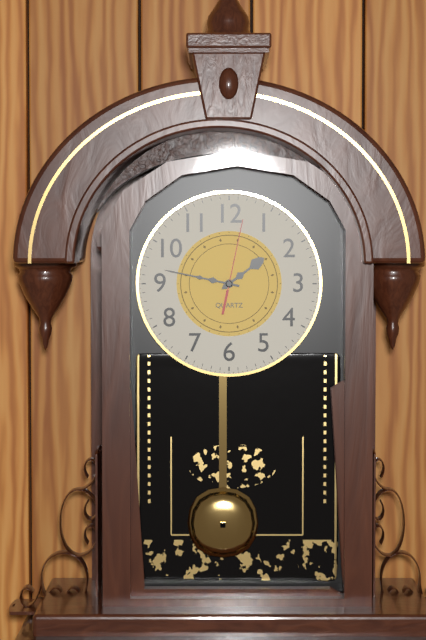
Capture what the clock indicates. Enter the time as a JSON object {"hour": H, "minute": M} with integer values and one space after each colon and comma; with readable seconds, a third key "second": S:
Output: {"hour": 1, "minute": 47, "second": 2}
